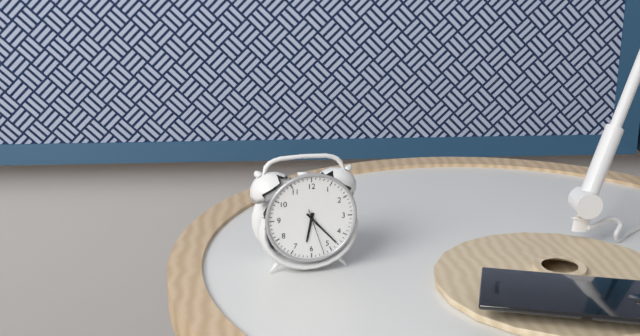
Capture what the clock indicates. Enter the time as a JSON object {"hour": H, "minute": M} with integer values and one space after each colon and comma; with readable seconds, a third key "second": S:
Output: {"hour": 6, "minute": 23}
